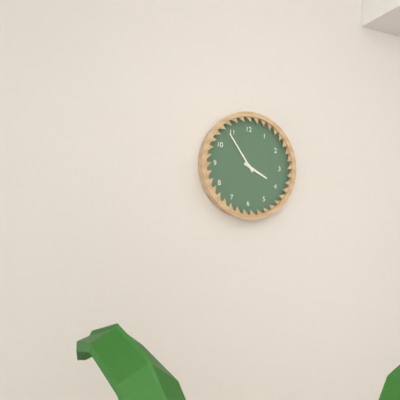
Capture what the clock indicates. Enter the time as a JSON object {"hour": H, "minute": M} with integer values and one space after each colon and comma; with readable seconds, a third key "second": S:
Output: {"hour": 3, "minute": 54}
